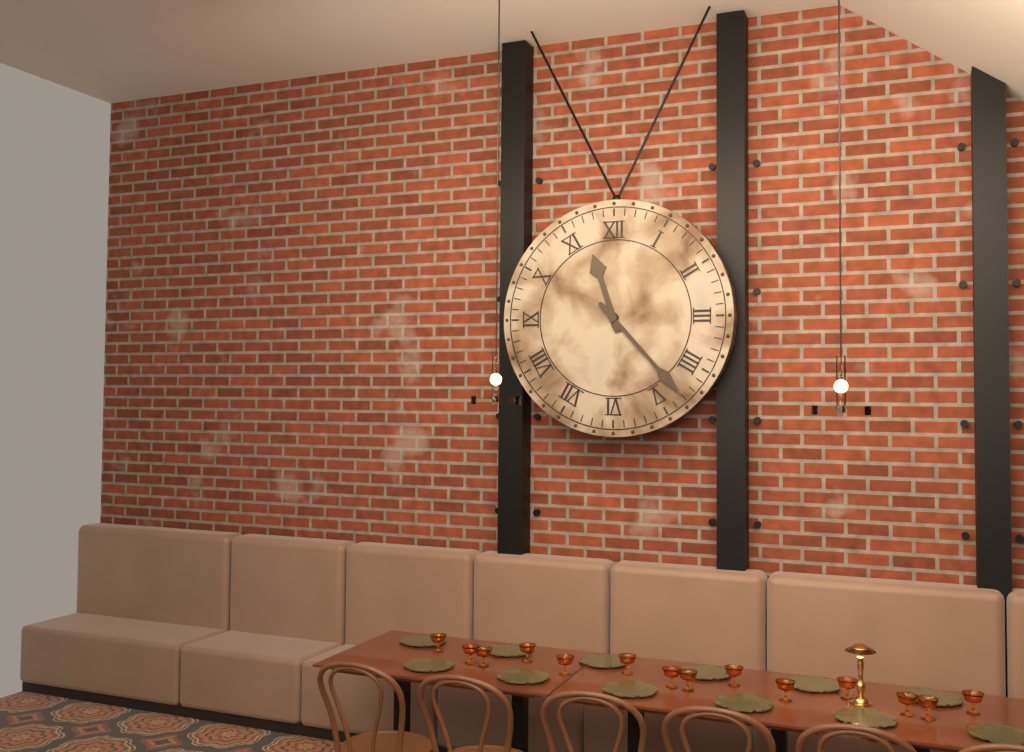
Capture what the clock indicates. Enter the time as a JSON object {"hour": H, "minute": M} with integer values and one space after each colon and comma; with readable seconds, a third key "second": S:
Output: {"hour": 11, "minute": 23}
